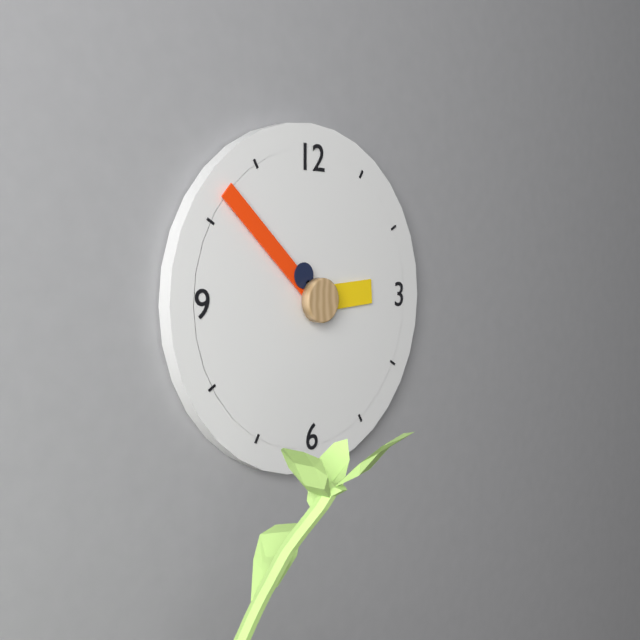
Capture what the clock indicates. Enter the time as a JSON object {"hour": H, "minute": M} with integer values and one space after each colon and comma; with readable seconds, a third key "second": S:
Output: {"hour": 2, "minute": 52}
